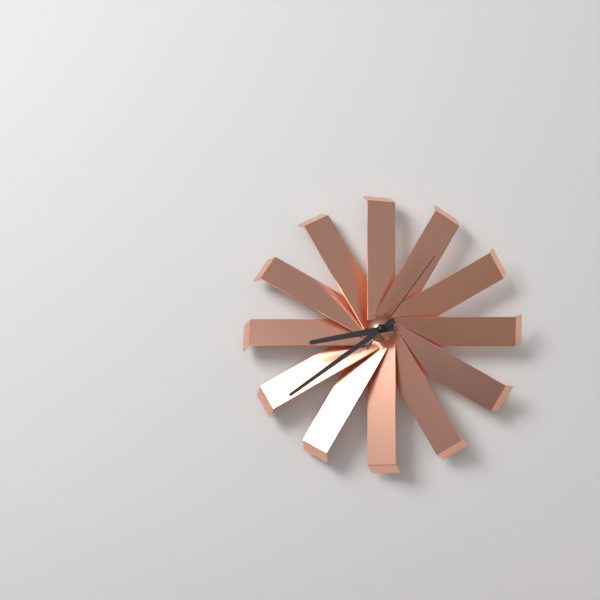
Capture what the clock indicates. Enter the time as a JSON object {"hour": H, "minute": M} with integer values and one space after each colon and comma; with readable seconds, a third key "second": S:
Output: {"hour": 8, "minute": 39, "second": 6}
